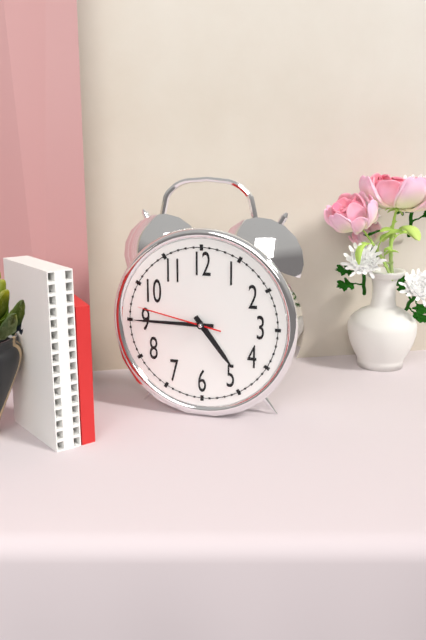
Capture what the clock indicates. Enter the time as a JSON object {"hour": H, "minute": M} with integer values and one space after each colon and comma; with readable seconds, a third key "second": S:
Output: {"hour": 4, "minute": 45, "second": 47}
